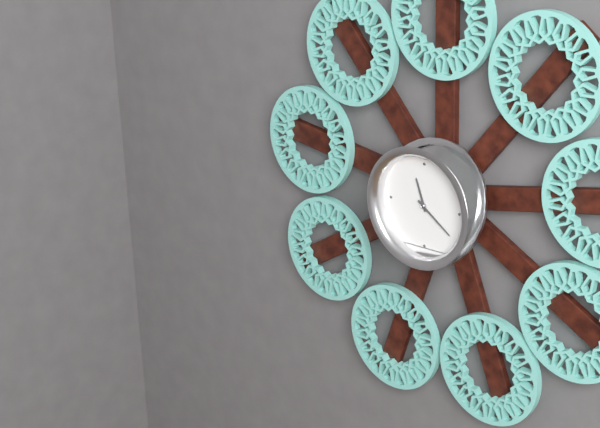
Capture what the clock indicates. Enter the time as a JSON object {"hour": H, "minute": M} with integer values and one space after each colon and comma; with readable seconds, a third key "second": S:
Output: {"hour": 11, "minute": 21}
